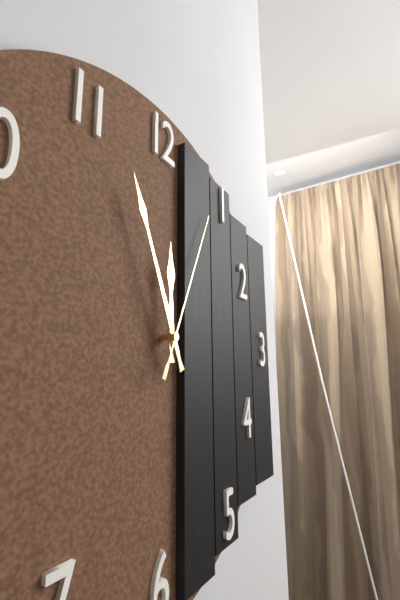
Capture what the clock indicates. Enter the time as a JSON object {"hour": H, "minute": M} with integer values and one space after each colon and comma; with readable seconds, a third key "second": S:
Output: {"hour": 11, "minute": 56, "second": 4}
